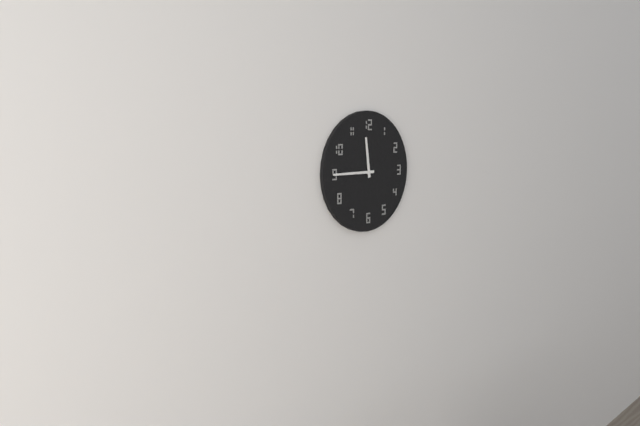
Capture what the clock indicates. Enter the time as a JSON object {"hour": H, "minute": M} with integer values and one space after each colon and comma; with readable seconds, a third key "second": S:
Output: {"hour": 11, "minute": 45}
